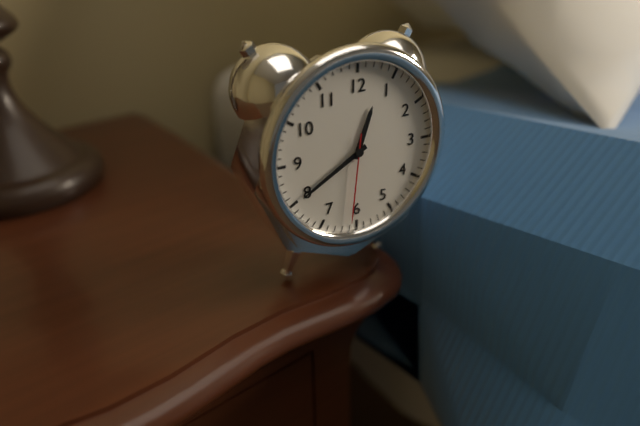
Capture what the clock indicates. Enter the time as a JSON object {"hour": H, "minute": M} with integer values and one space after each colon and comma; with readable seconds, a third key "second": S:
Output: {"hour": 12, "minute": 40, "second": 31}
